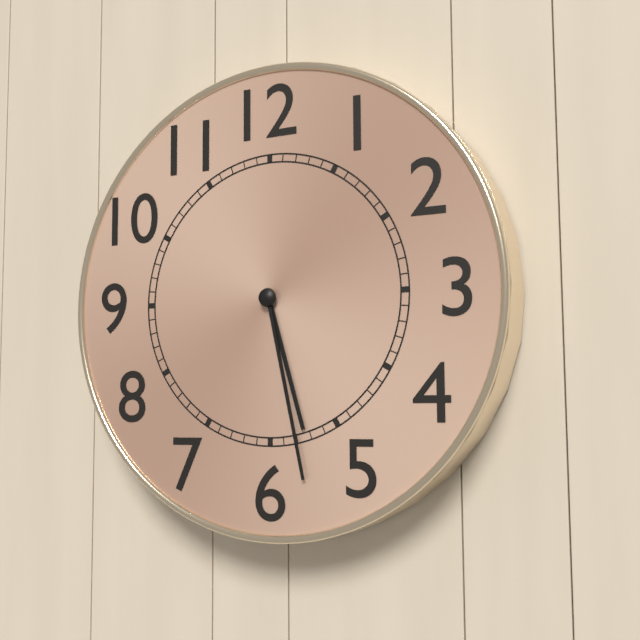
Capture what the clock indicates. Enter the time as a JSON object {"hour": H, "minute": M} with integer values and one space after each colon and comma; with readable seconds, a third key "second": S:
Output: {"hour": 5, "minute": 28}
